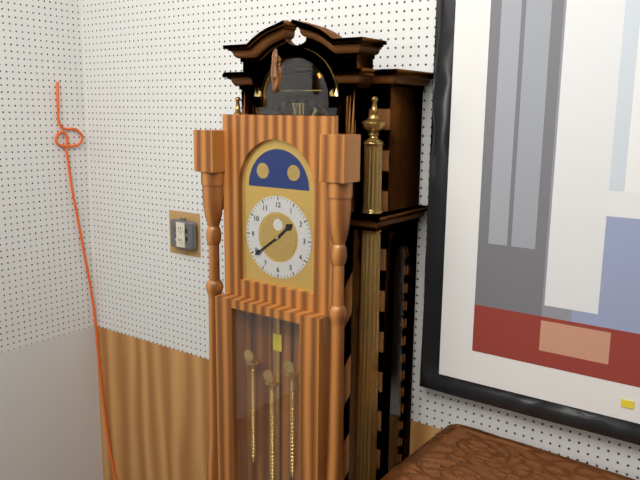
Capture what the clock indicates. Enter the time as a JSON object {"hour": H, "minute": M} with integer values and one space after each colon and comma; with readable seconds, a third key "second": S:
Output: {"hour": 1, "minute": 39}
